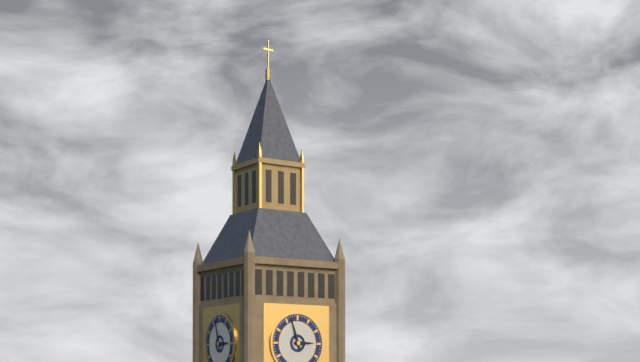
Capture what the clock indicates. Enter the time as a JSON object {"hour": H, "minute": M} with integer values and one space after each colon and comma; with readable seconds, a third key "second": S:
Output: {"hour": 2, "minute": 57}
